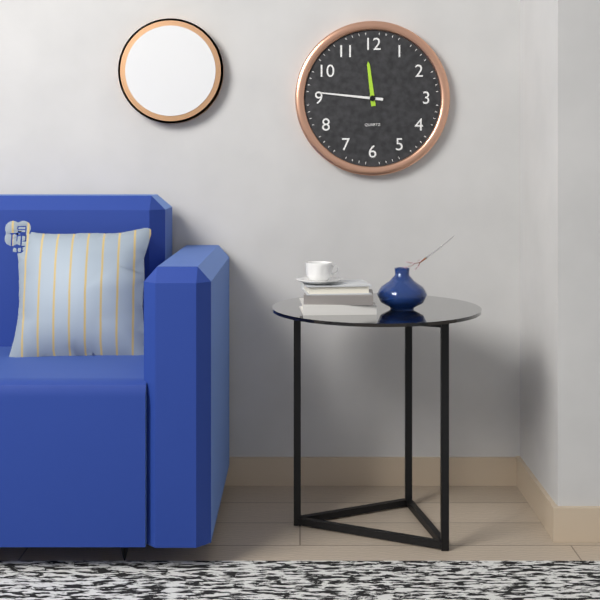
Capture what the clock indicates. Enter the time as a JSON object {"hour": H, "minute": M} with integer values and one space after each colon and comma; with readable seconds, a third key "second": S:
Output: {"hour": 11, "minute": 46}
